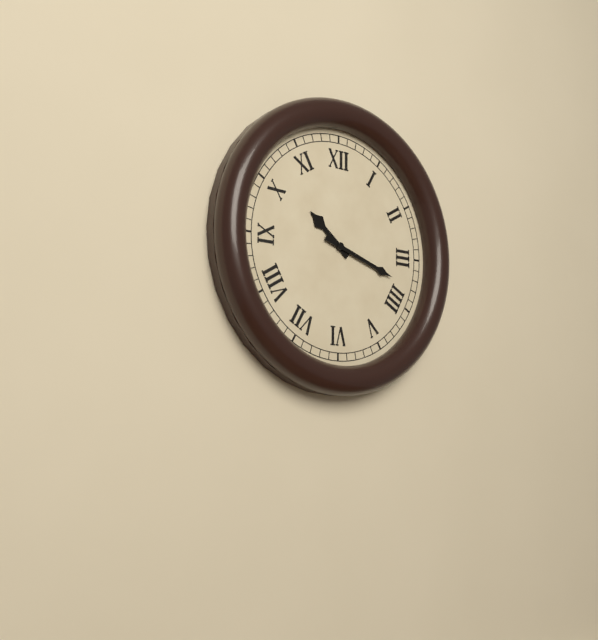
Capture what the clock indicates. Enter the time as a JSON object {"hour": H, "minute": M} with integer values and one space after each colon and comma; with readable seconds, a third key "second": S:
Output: {"hour": 10, "minute": 18}
